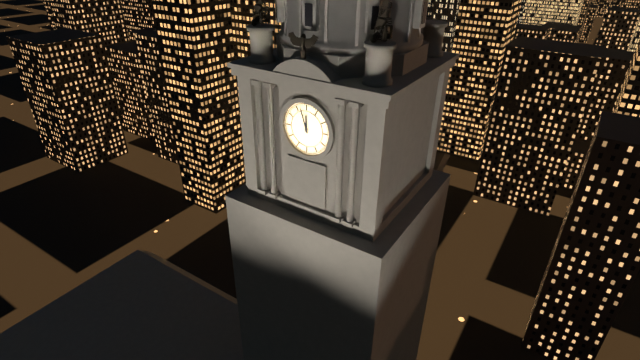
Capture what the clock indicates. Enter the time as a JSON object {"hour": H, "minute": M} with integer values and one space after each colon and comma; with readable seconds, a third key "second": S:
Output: {"hour": 11, "minute": 57}
